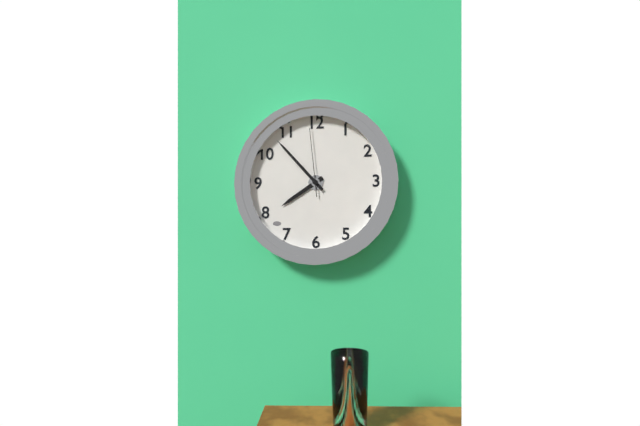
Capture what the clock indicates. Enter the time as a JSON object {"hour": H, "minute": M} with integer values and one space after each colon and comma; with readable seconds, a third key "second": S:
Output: {"hour": 7, "minute": 53, "second": 59}
